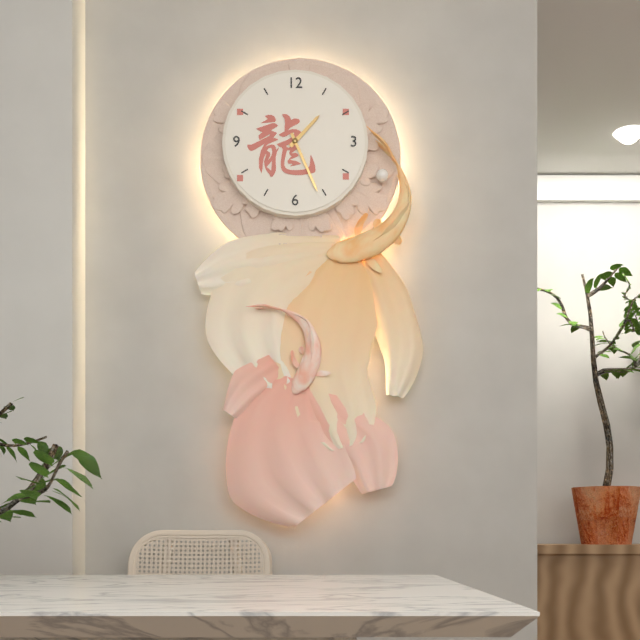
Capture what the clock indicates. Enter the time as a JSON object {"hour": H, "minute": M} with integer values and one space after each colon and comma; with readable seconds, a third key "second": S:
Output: {"hour": 1, "minute": 26}
